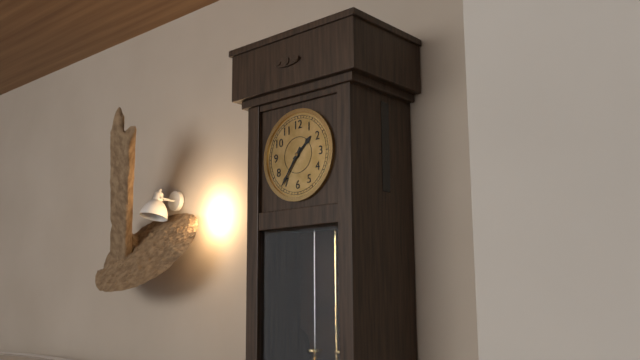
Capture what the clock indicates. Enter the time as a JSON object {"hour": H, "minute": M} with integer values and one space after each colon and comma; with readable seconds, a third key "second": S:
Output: {"hour": 1, "minute": 36}
